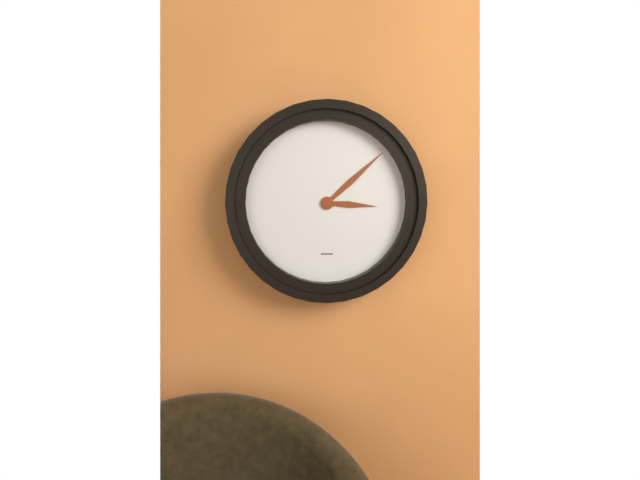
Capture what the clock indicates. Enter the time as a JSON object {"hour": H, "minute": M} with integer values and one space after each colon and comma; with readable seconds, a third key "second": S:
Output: {"hour": 3, "minute": 8}
